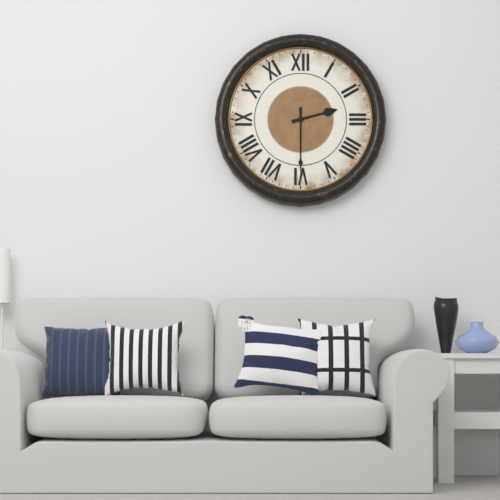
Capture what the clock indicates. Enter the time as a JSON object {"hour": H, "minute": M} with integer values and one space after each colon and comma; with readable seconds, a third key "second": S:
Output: {"hour": 2, "minute": 30}
